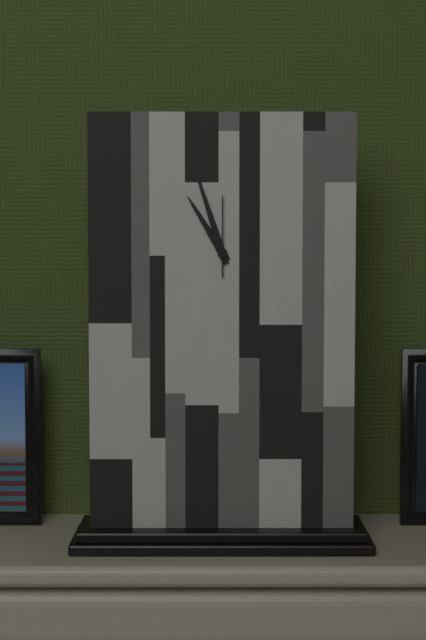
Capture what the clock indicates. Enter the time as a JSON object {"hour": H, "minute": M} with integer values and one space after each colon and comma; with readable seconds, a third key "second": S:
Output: {"hour": 10, "minute": 57, "second": 0}
